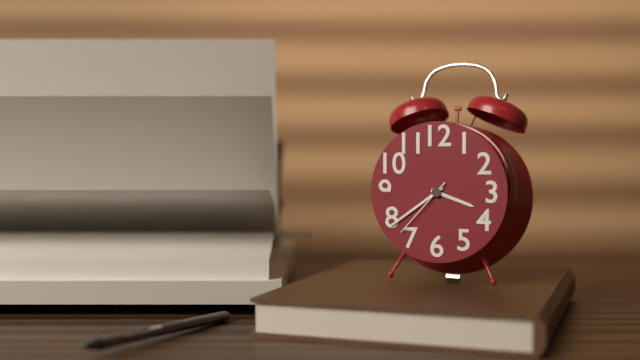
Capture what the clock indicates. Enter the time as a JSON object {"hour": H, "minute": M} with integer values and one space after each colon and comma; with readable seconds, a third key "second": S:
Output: {"hour": 3, "minute": 39, "second": 37}
